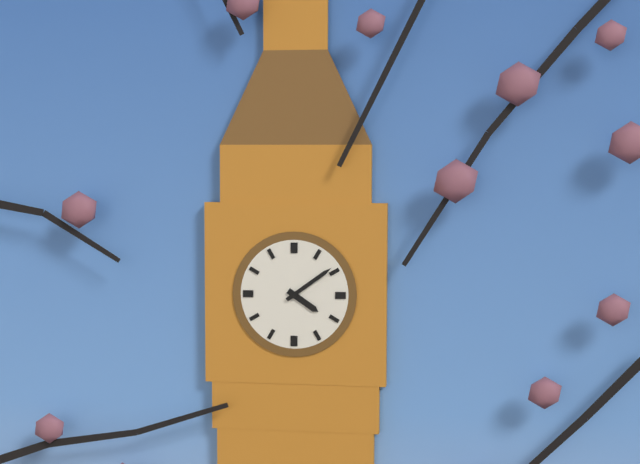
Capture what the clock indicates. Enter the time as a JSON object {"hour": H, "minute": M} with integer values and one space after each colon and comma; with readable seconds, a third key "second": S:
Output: {"hour": 4, "minute": 9}
